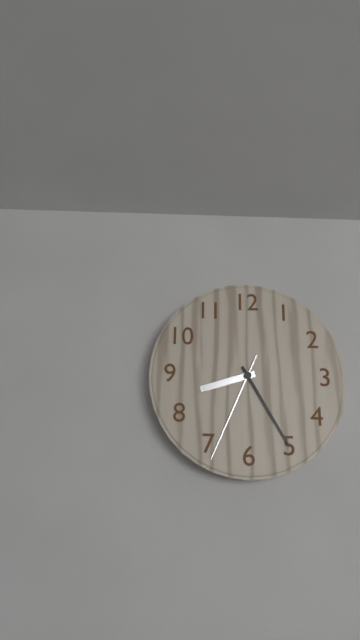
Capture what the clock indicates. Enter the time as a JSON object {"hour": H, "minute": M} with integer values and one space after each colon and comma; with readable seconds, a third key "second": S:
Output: {"hour": 8, "minute": 25, "second": 34}
